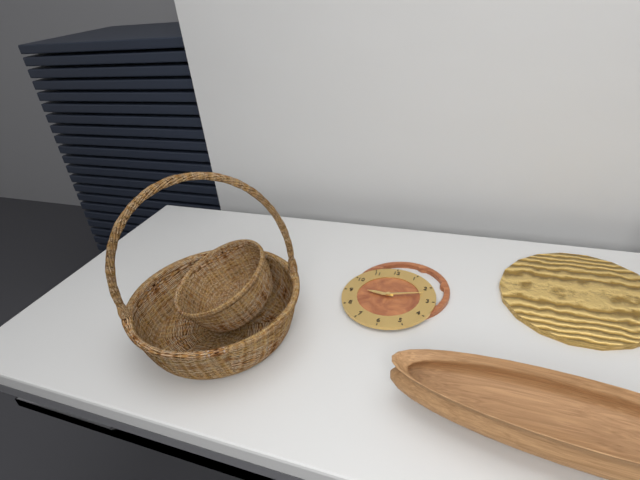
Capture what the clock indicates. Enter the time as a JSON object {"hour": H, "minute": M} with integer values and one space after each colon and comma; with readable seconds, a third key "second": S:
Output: {"hour": 9, "minute": 12}
